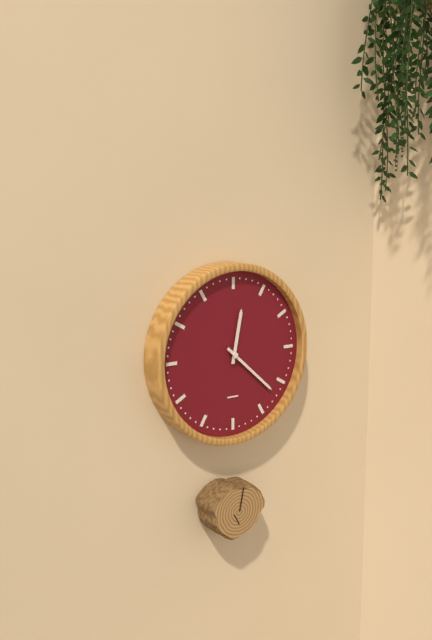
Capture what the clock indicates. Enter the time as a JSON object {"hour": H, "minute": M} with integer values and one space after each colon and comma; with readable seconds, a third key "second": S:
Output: {"hour": 12, "minute": 22}
